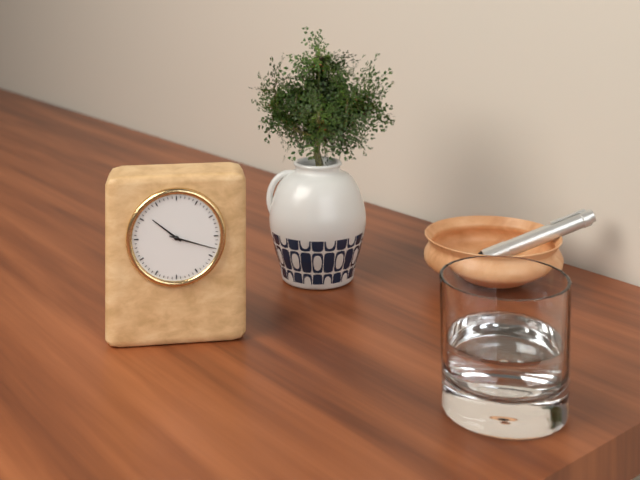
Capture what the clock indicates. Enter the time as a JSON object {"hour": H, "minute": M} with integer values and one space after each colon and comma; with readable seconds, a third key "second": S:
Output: {"hour": 10, "minute": 18}
